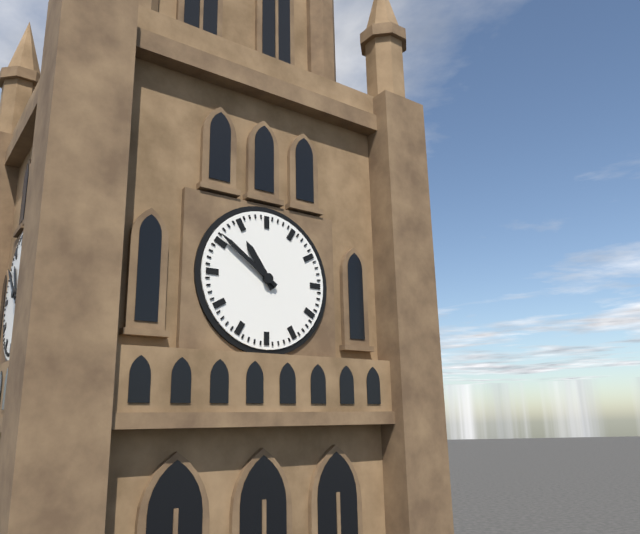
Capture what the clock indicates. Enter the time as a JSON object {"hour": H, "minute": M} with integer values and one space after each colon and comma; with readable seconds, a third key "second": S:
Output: {"hour": 10, "minute": 51}
